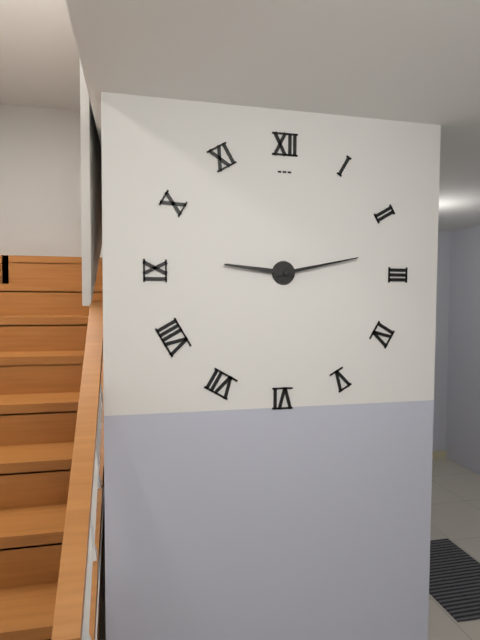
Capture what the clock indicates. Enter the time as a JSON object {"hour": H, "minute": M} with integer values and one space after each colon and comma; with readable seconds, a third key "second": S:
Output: {"hour": 9, "minute": 13}
